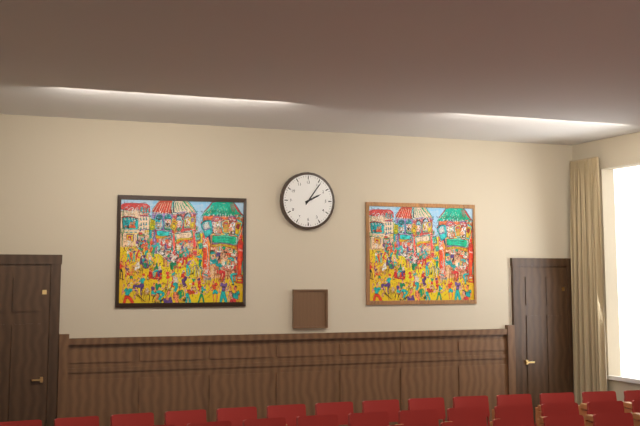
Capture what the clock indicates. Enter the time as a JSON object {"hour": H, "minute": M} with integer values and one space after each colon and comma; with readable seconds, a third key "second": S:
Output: {"hour": 2, "minute": 6}
